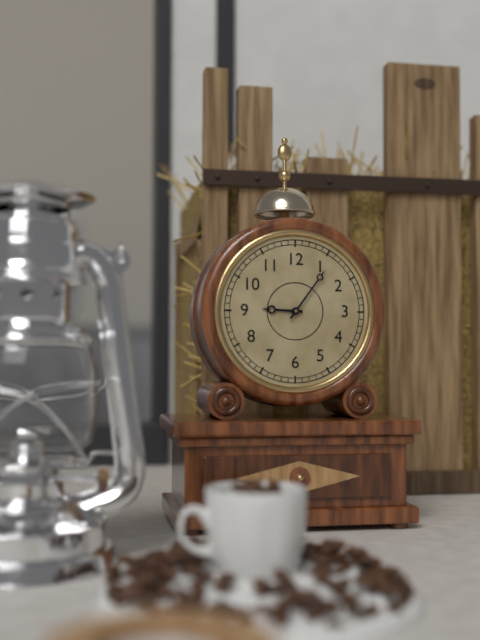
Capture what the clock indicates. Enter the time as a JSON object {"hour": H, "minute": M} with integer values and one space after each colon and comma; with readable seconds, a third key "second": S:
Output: {"hour": 9, "minute": 6}
